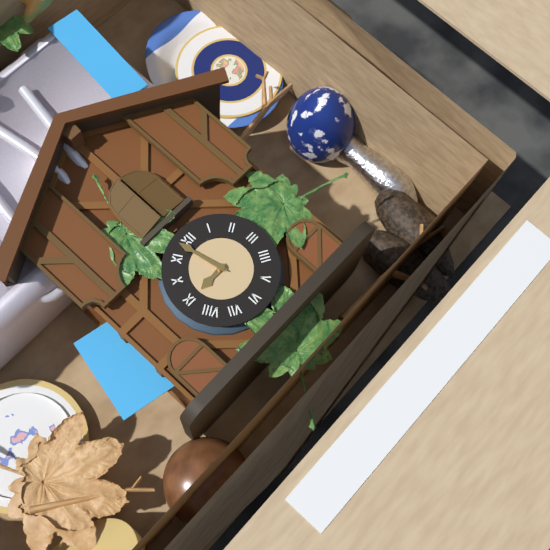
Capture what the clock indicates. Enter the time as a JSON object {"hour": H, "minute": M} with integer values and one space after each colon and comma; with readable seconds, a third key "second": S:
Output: {"hour": 8, "minute": 58}
